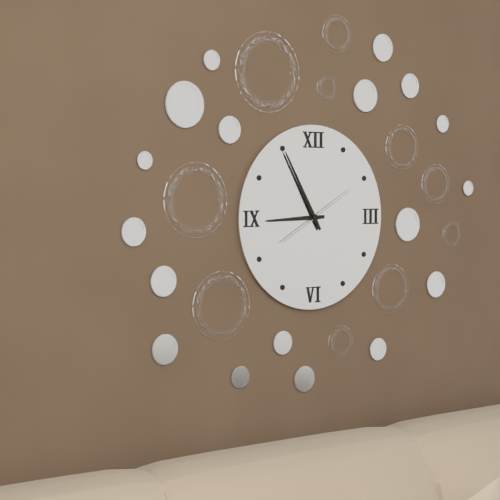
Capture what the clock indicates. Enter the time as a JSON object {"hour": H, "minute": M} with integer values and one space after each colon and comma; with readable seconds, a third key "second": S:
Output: {"hour": 8, "minute": 55, "second": 10}
